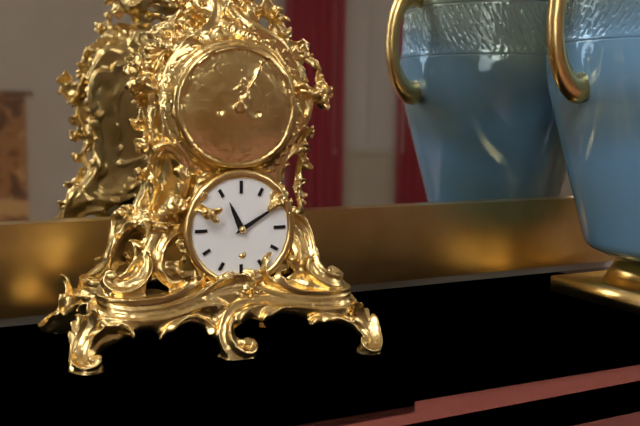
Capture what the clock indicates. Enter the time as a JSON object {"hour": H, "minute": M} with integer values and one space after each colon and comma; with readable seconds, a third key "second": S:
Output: {"hour": 11, "minute": 10}
